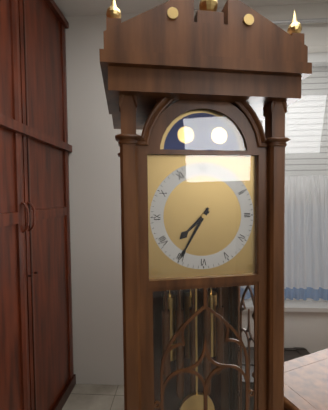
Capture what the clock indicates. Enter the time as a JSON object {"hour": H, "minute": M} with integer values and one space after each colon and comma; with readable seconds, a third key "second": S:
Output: {"hour": 7, "minute": 35}
